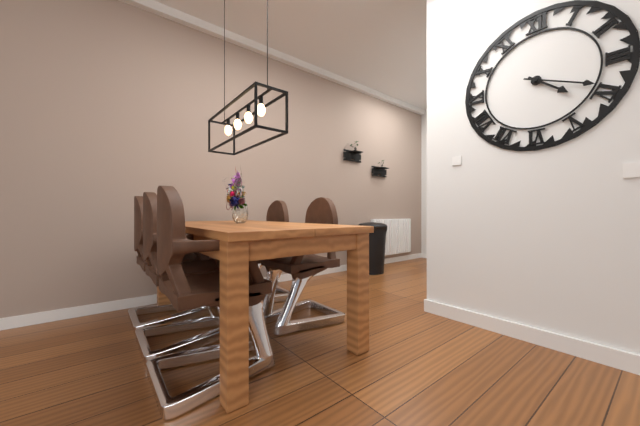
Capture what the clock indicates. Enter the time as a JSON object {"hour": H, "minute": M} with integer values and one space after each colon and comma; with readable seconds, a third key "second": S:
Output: {"hour": 4, "minute": 19}
